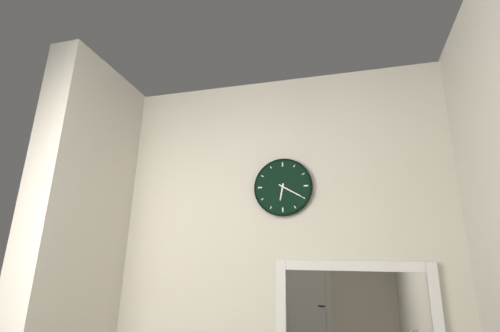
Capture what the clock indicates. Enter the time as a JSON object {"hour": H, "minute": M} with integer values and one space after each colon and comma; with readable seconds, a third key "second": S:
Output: {"hour": 6, "minute": 20}
